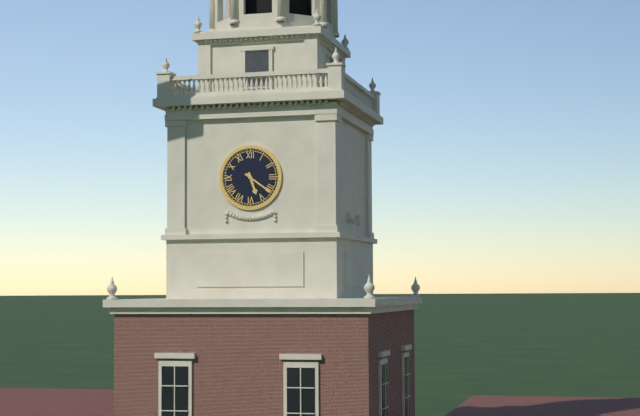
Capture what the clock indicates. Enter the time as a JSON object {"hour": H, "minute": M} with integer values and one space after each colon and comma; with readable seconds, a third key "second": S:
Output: {"hour": 5, "minute": 21}
